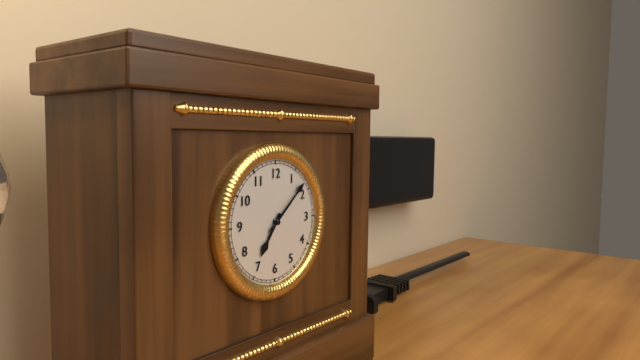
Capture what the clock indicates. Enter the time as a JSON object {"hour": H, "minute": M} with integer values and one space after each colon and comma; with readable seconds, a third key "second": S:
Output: {"hour": 7, "minute": 8}
